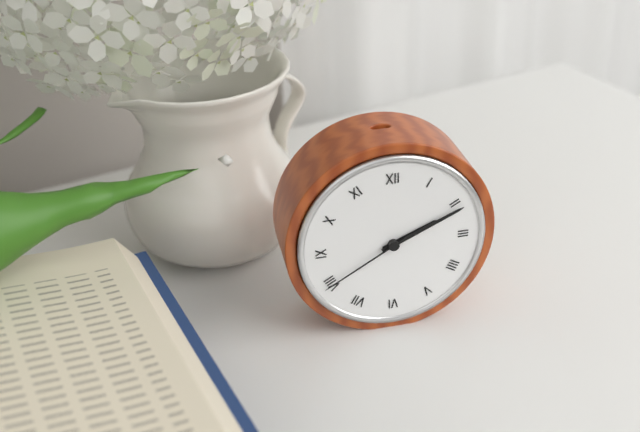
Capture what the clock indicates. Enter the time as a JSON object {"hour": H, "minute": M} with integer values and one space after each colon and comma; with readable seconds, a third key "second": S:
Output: {"hour": 2, "minute": 11, "second": 40}
